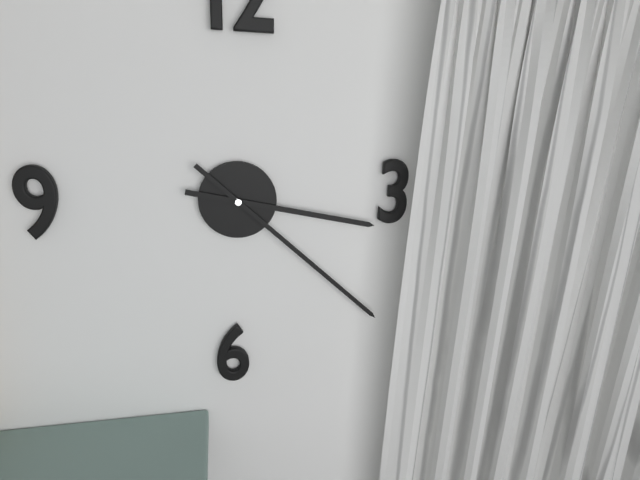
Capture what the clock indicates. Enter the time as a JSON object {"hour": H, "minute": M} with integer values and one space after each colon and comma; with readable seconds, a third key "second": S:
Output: {"hour": 3, "minute": 22}
